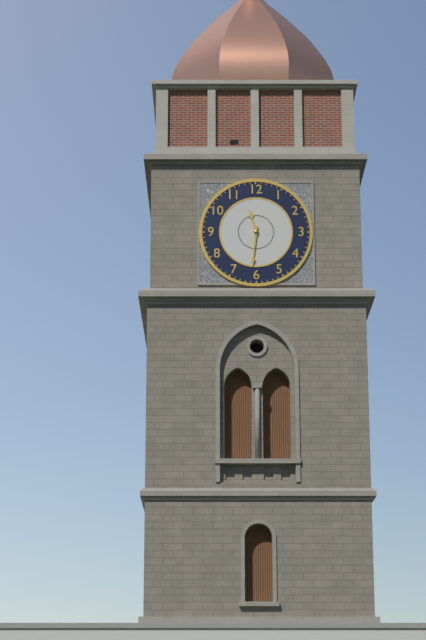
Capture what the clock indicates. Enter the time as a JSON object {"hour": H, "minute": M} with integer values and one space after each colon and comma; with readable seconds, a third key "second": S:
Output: {"hour": 11, "minute": 31}
